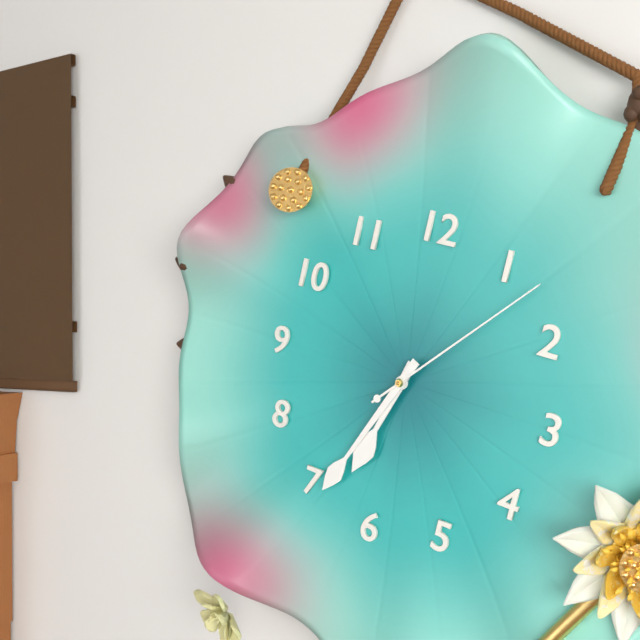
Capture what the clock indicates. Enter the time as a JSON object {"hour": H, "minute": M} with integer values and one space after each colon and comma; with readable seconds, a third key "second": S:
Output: {"hour": 6, "minute": 34, "second": 7}
